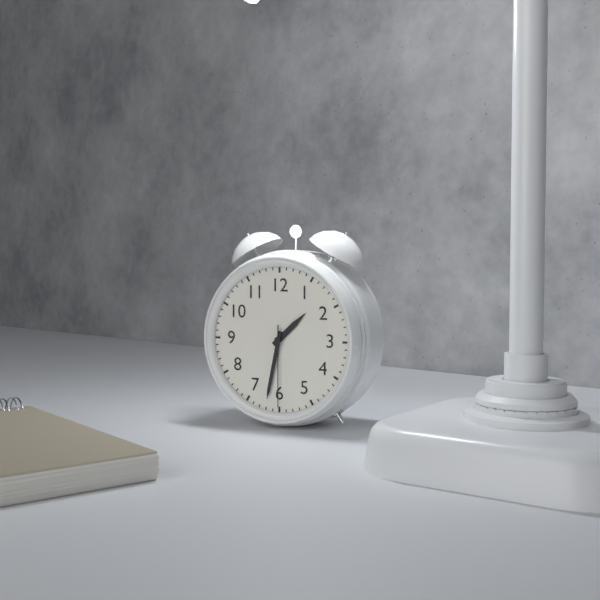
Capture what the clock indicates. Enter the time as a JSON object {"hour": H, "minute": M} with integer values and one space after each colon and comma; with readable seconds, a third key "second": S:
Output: {"hour": 1, "minute": 32, "second": 30}
